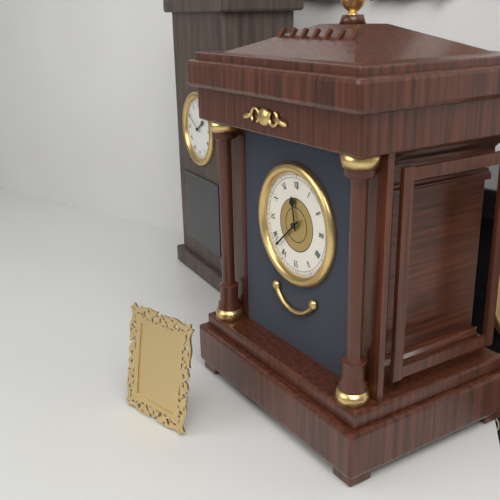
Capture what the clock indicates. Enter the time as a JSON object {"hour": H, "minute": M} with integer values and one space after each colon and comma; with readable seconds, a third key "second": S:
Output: {"hour": 11, "minute": 38}
